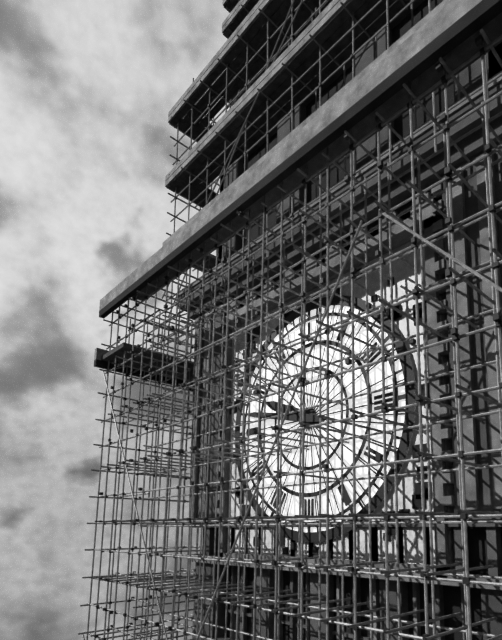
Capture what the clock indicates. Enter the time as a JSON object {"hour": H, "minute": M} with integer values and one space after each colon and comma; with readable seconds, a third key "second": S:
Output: {"hour": 9, "minute": 47}
